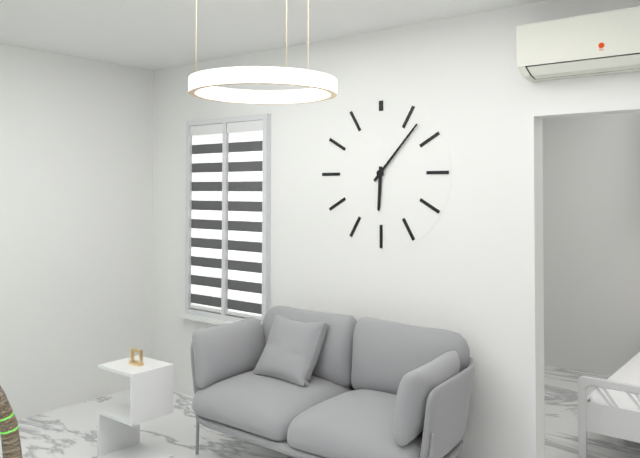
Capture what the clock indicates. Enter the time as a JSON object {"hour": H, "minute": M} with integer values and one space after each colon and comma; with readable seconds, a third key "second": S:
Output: {"hour": 6, "minute": 7}
